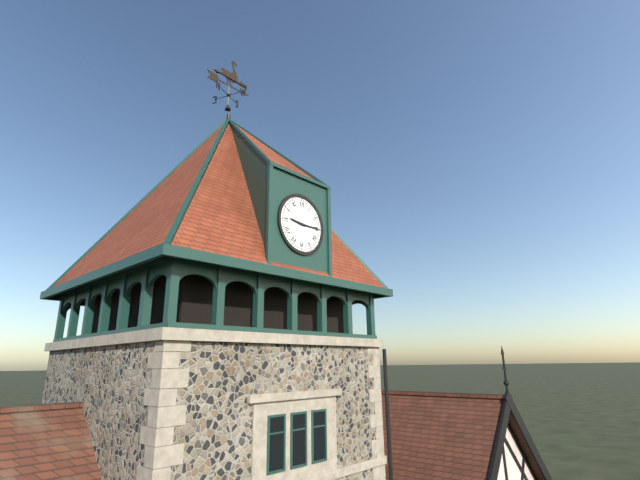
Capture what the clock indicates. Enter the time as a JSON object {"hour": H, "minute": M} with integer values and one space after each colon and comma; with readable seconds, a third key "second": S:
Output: {"hour": 9, "minute": 15}
